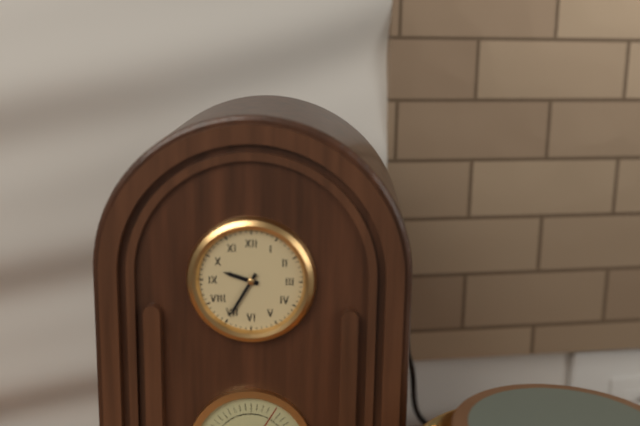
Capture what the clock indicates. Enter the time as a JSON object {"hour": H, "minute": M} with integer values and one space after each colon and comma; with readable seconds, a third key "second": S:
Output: {"hour": 9, "minute": 35}
